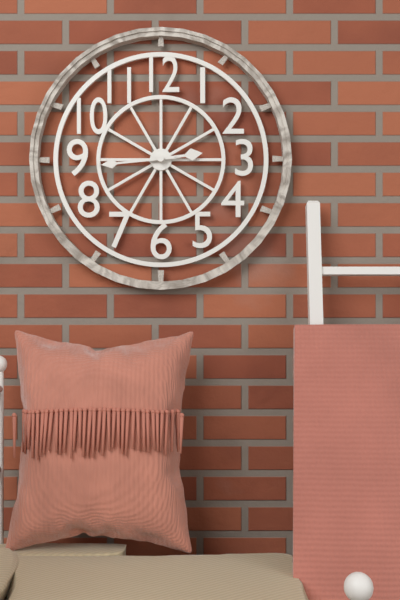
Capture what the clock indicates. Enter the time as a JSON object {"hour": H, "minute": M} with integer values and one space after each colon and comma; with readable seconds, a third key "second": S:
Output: {"hour": 2, "minute": 44}
